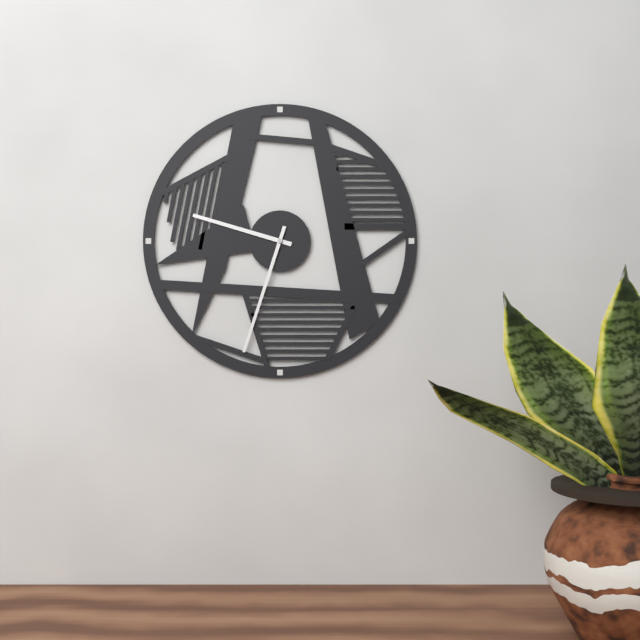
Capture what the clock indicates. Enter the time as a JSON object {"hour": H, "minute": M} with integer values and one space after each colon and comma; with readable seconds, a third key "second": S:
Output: {"hour": 9, "minute": 33}
